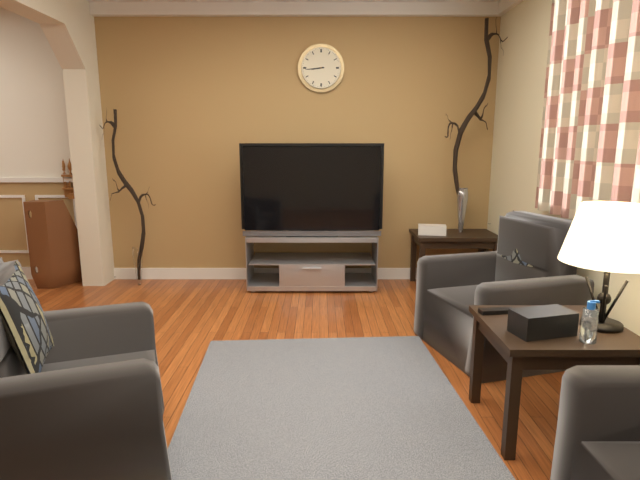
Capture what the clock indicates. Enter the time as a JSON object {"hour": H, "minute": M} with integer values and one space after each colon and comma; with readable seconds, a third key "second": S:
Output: {"hour": 8, "minute": 44}
